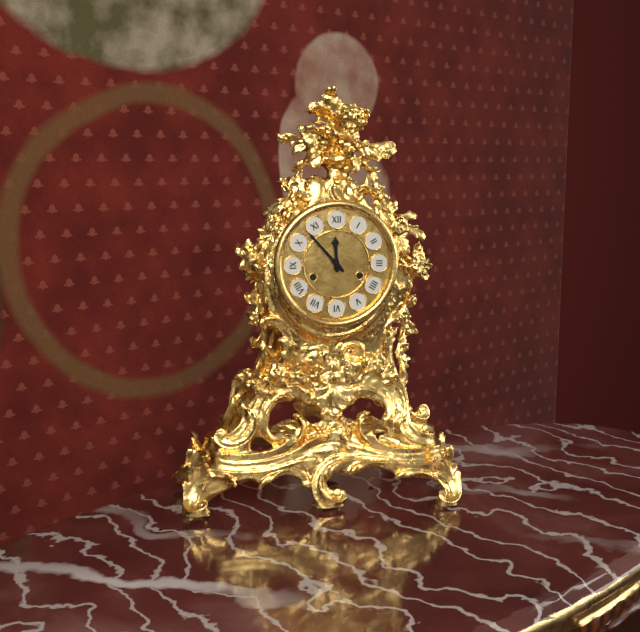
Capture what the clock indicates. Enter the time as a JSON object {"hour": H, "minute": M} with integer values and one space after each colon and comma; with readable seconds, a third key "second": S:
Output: {"hour": 11, "minute": 53}
